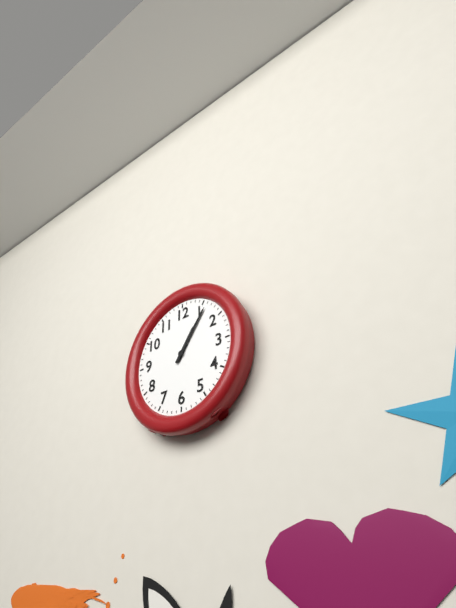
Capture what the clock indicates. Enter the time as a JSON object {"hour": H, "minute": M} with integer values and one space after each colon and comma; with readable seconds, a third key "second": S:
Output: {"hour": 1, "minute": 6}
